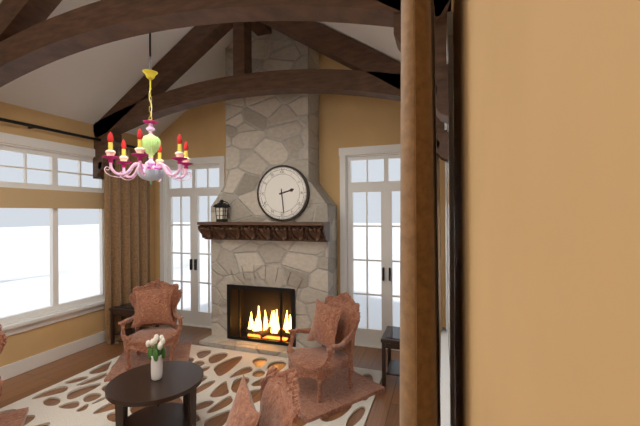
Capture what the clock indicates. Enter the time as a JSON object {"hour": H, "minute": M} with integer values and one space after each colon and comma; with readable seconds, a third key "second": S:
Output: {"hour": 2, "minute": 29}
